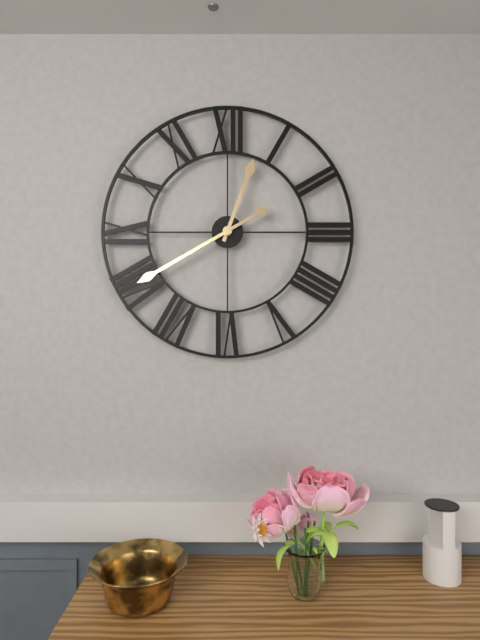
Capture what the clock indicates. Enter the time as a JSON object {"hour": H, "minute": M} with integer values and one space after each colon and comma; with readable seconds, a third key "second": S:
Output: {"hour": 12, "minute": 40}
